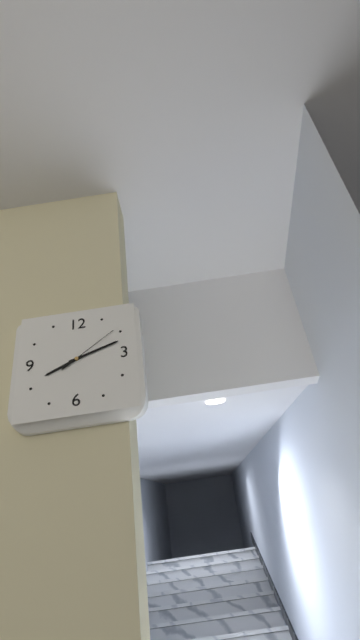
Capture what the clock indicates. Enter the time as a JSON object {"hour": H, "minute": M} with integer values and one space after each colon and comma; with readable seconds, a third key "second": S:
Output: {"hour": 8, "minute": 12, "second": 9}
